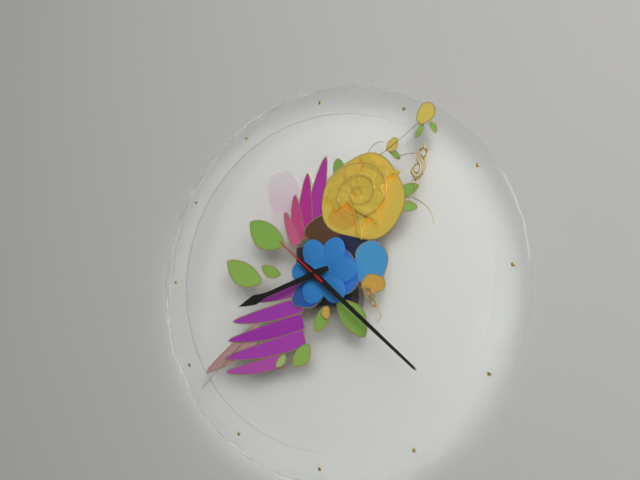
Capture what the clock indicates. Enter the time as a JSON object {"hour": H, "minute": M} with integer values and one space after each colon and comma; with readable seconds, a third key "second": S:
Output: {"hour": 8, "minute": 22, "second": 52}
